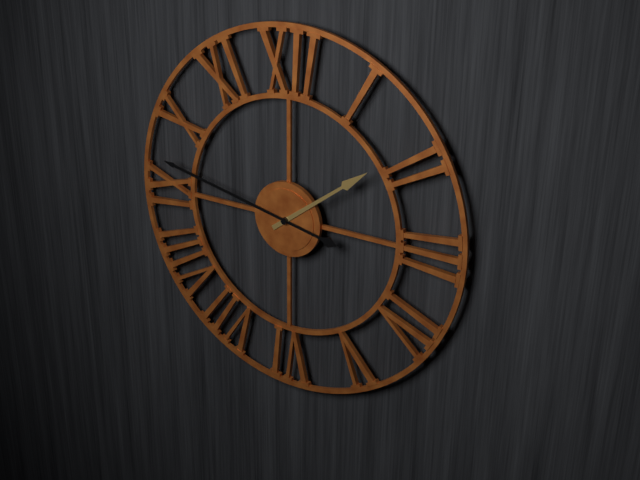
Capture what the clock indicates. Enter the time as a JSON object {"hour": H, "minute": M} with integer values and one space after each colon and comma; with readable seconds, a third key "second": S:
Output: {"hour": 1, "minute": 47}
